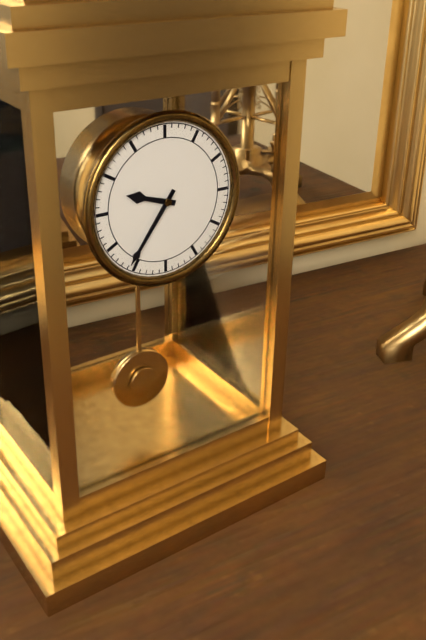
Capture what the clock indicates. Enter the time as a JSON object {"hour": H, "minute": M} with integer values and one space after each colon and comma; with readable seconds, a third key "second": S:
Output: {"hour": 9, "minute": 36}
